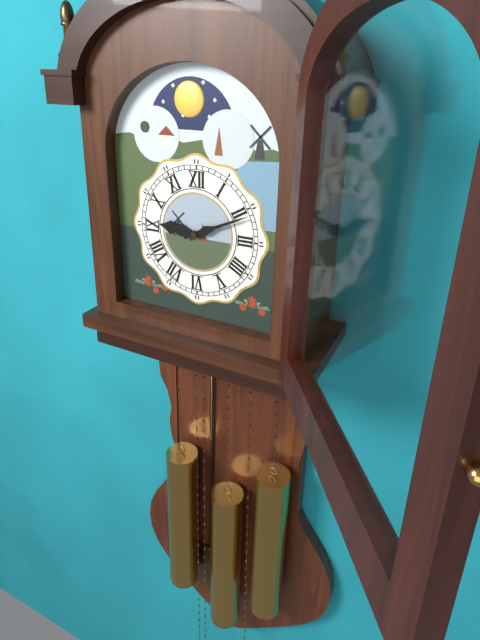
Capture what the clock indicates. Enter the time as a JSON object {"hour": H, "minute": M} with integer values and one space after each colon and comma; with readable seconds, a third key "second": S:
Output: {"hour": 9, "minute": 11}
